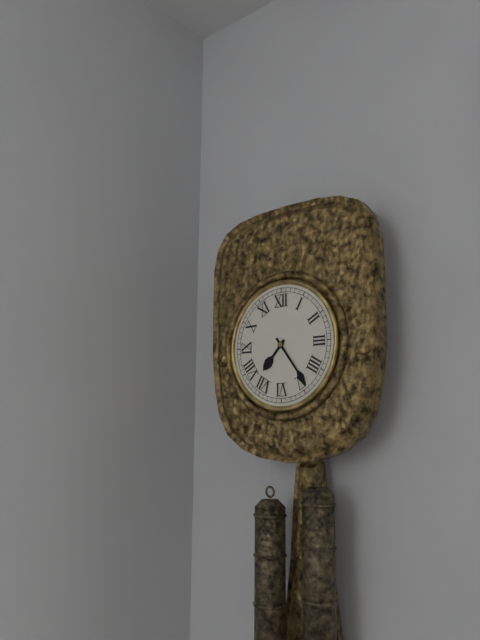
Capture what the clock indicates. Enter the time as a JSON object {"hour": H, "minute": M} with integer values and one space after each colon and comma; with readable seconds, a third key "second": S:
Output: {"hour": 7, "minute": 24}
